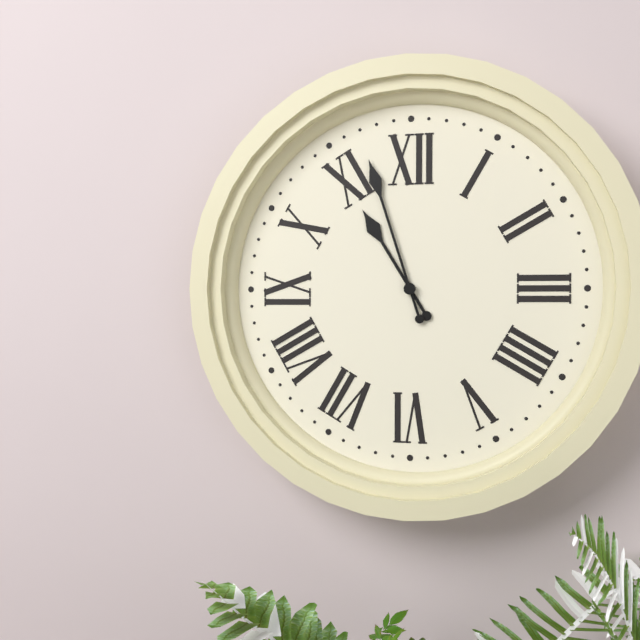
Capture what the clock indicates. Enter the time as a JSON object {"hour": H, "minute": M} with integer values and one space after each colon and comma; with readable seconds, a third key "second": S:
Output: {"hour": 10, "minute": 57}
